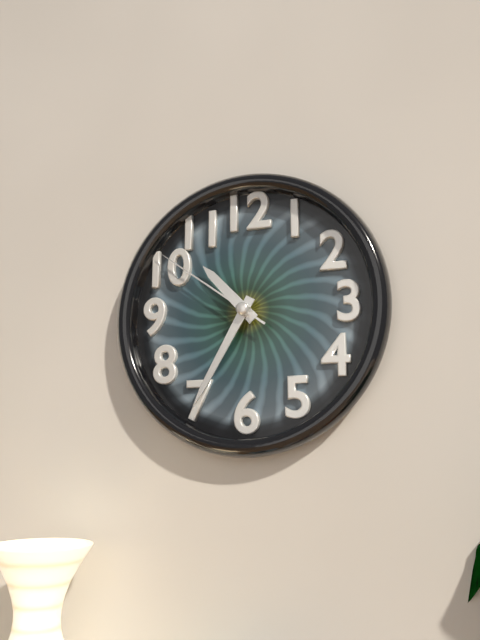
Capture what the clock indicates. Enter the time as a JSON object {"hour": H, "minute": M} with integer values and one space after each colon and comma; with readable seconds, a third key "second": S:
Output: {"hour": 10, "minute": 35, "second": 51}
